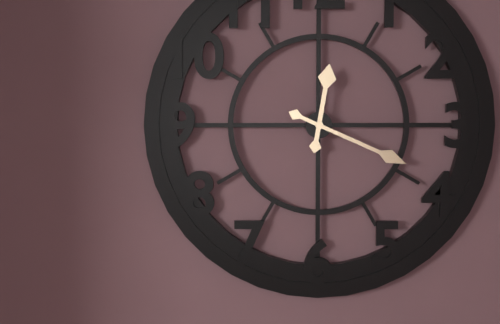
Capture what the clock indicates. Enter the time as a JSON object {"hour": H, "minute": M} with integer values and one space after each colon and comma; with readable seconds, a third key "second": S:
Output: {"hour": 12, "minute": 19}
